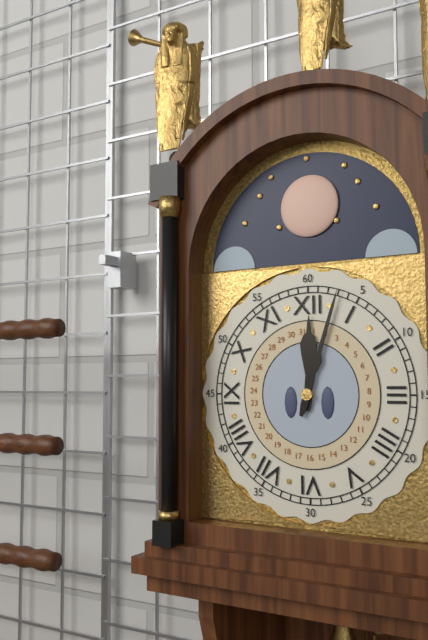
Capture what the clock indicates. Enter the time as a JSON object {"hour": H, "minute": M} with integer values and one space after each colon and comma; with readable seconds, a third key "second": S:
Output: {"hour": 12, "minute": 3}
